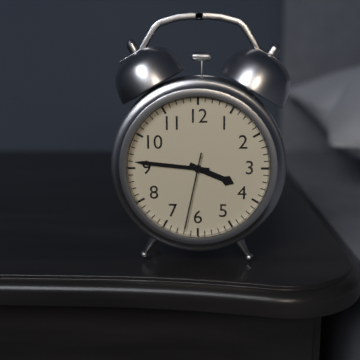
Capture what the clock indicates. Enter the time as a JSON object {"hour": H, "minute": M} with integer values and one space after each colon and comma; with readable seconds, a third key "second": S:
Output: {"hour": 3, "minute": 46, "second": 32}
